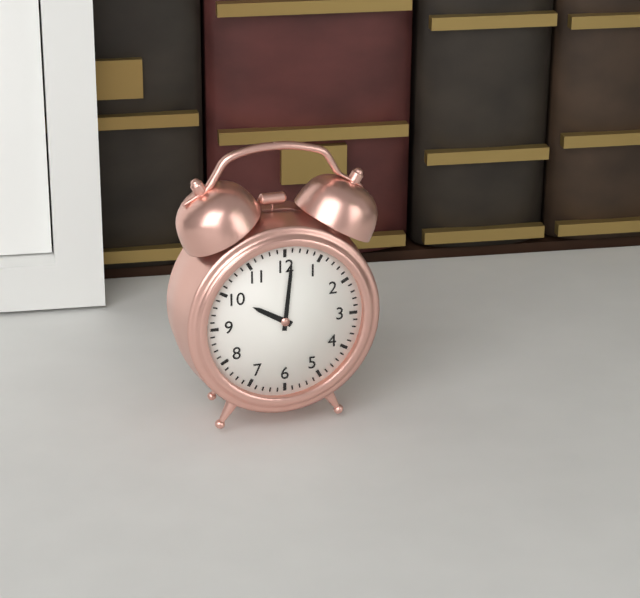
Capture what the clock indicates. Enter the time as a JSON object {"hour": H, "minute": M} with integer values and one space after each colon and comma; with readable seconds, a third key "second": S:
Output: {"hour": 10, "minute": 1}
